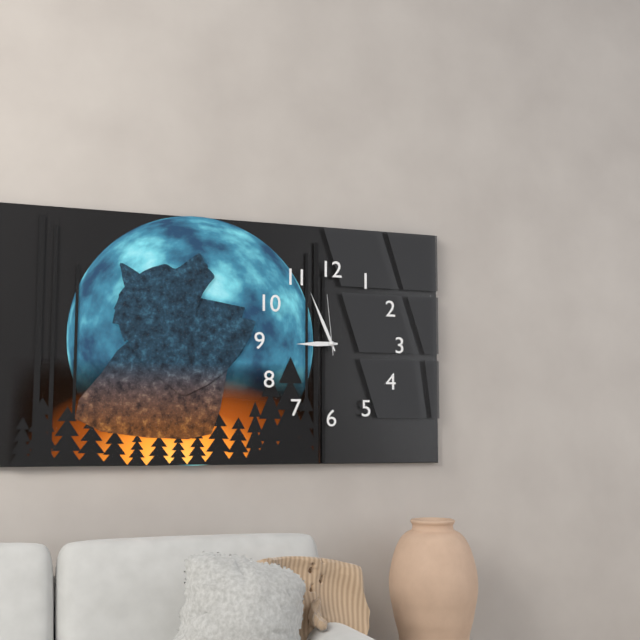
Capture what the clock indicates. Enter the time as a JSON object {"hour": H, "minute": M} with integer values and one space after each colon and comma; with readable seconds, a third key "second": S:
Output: {"hour": 8, "minute": 56, "second": 59}
